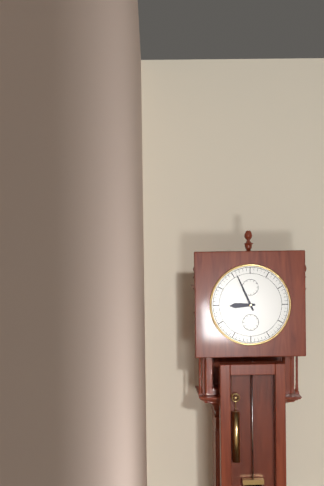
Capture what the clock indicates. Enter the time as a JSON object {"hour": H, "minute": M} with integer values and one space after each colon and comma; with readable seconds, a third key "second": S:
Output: {"hour": 8, "minute": 56}
